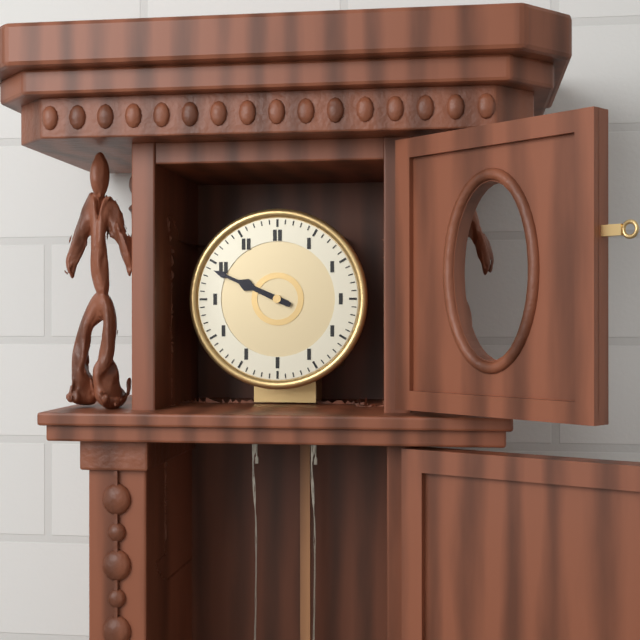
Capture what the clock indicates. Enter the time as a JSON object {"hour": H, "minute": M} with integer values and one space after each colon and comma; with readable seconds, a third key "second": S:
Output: {"hour": 9, "minute": 49}
